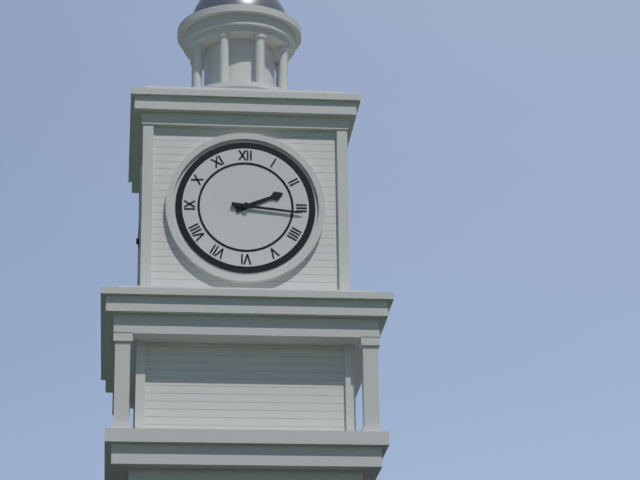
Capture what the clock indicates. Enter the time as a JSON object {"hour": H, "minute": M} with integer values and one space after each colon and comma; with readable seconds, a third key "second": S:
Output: {"hour": 2, "minute": 16}
